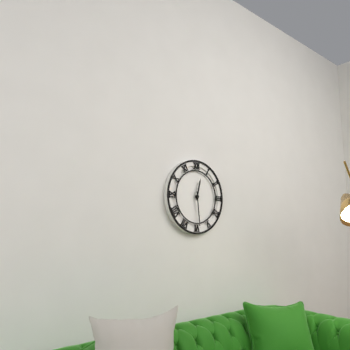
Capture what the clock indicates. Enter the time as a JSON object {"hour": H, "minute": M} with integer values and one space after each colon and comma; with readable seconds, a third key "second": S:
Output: {"hour": 12, "minute": 29}
